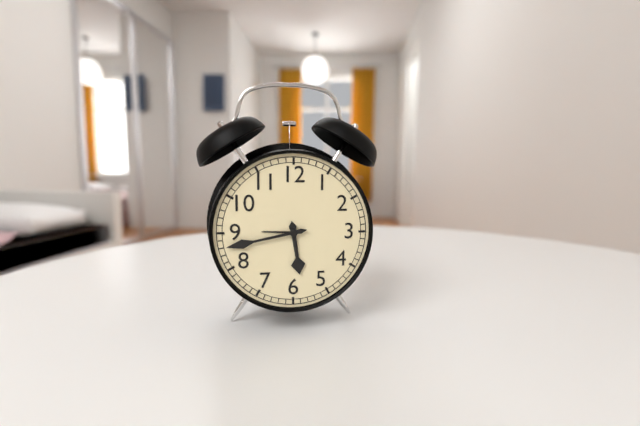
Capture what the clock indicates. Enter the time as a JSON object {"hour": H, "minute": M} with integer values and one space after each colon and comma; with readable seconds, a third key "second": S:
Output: {"hour": 5, "minute": 43}
